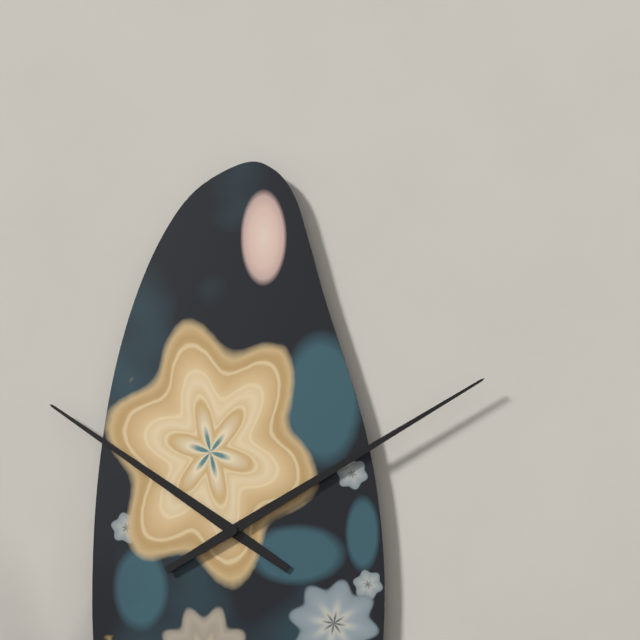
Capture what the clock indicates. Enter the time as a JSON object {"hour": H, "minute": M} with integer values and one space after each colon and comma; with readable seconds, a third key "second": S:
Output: {"hour": 10, "minute": 10}
